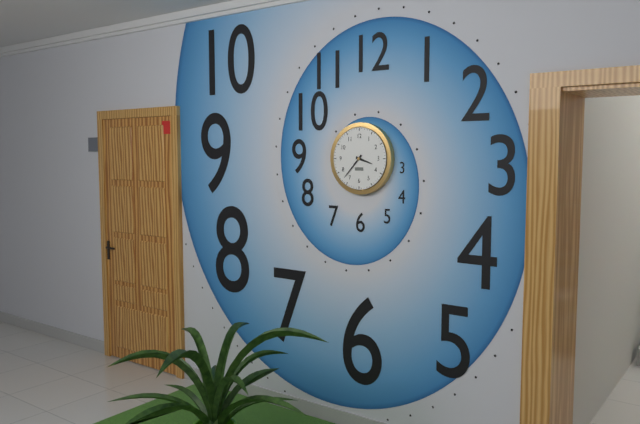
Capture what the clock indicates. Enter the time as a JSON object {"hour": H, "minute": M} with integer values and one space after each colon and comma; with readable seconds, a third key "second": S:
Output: {"hour": 3, "minute": 37}
